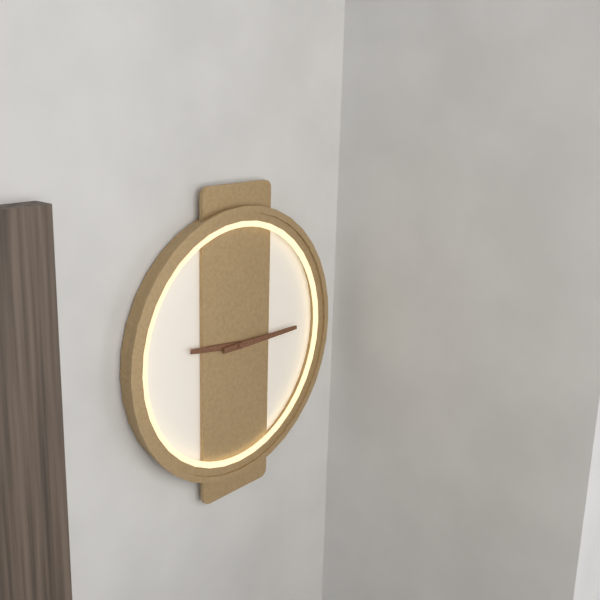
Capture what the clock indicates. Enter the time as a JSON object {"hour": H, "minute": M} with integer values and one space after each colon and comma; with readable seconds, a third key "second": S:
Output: {"hour": 9, "minute": 15}
